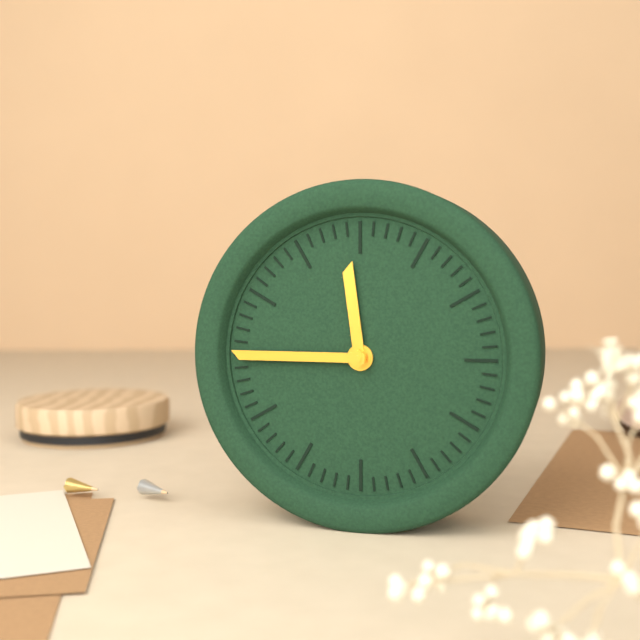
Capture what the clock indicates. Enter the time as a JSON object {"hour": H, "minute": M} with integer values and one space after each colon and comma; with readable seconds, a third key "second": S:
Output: {"hour": 11, "minute": 45}
